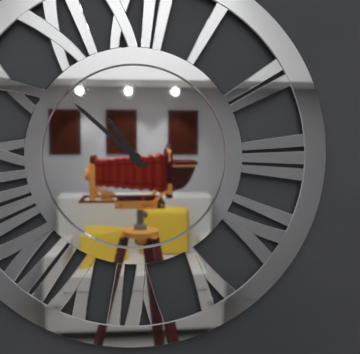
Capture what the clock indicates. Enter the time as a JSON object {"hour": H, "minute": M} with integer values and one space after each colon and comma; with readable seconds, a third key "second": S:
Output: {"hour": 10, "minute": 52}
